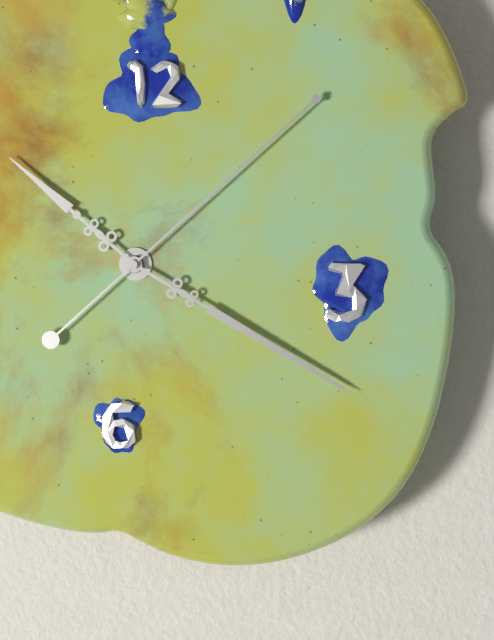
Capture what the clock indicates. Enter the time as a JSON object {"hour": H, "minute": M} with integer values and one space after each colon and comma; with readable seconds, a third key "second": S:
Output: {"hour": 10, "minute": 20, "second": 8}
